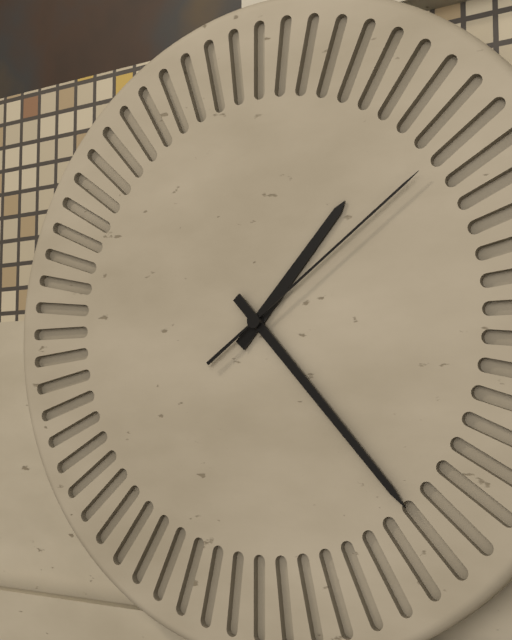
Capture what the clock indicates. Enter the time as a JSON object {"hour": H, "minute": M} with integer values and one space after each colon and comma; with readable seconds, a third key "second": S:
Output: {"hour": 1, "minute": 23, "second": 9}
